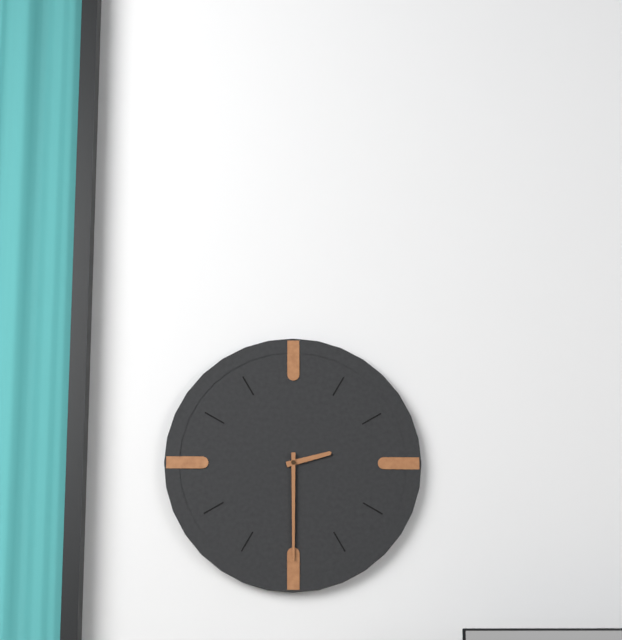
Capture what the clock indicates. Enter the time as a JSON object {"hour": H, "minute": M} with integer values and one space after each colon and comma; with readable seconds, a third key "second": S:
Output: {"hour": 2, "minute": 30}
